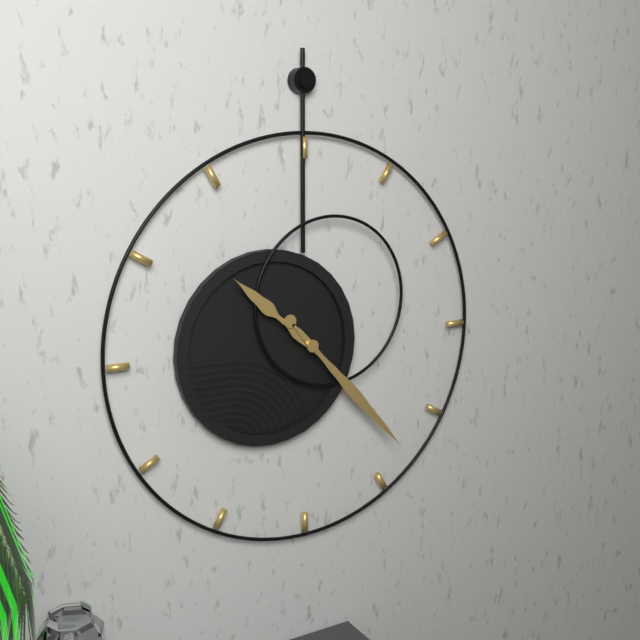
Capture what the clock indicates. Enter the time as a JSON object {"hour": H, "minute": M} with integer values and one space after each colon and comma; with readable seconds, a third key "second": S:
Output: {"hour": 10, "minute": 23}
